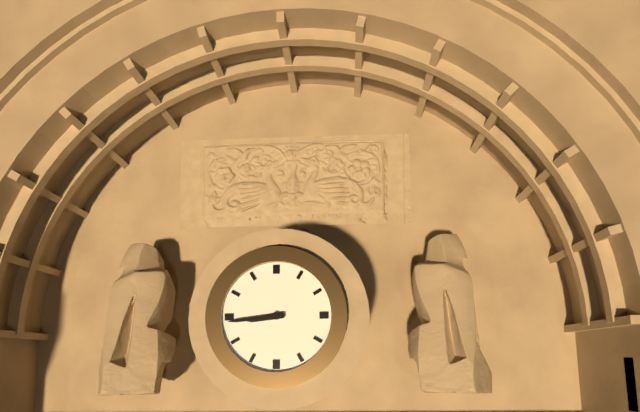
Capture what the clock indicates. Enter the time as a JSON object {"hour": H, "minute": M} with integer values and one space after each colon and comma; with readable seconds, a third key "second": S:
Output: {"hour": 8, "minute": 44}
